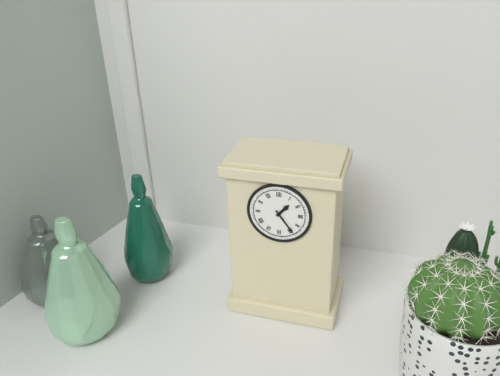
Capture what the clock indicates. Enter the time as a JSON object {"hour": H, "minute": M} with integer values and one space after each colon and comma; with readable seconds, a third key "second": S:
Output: {"hour": 1, "minute": 24}
